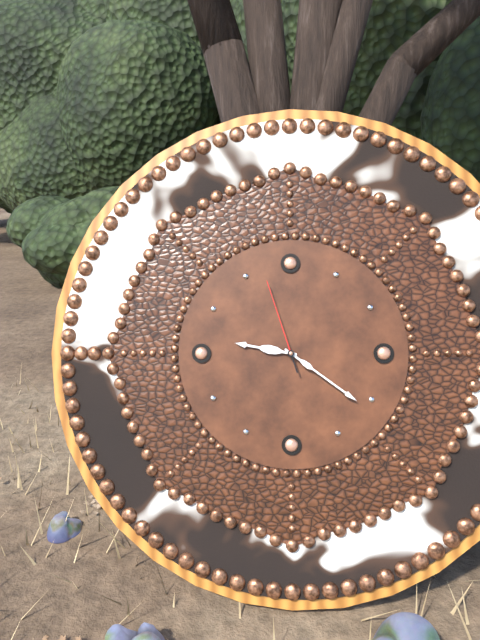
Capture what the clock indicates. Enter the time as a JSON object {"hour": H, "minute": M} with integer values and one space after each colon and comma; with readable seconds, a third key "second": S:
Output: {"hour": 9, "minute": 21, "second": 57}
